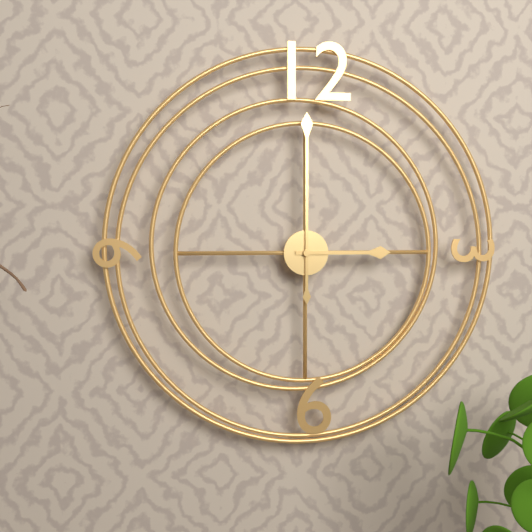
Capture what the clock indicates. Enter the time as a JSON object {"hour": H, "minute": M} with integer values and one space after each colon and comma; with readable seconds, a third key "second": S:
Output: {"hour": 3, "minute": 0}
